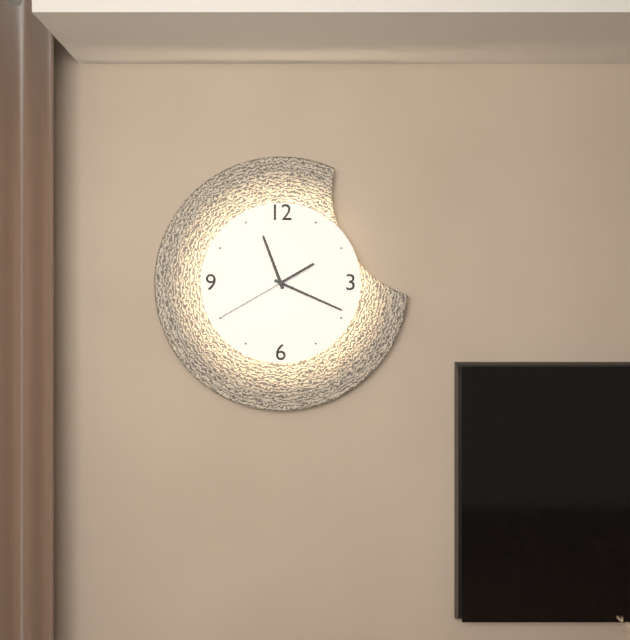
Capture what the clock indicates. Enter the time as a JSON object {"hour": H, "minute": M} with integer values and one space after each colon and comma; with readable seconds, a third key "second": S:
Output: {"hour": 11, "minute": 19, "second": 40}
